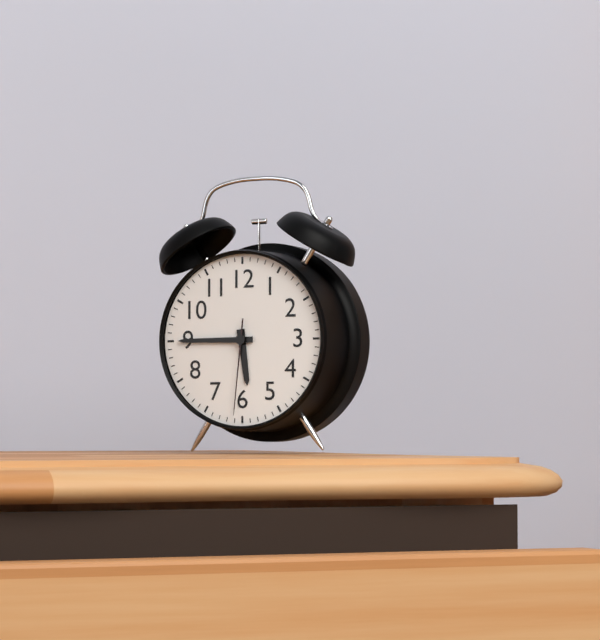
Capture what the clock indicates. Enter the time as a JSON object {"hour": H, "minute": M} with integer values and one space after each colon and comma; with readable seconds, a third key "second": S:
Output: {"hour": 5, "minute": 45, "second": 31}
